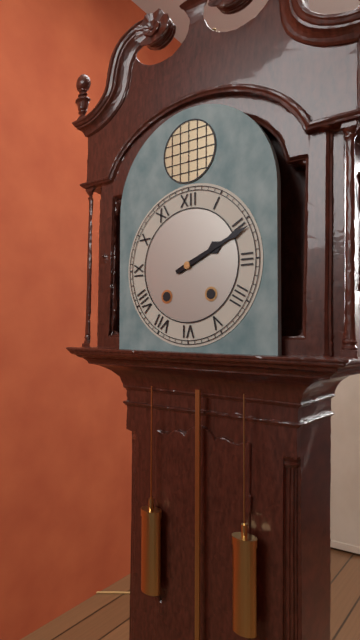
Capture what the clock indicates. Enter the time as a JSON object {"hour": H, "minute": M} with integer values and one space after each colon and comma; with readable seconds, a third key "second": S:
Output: {"hour": 2, "minute": 11}
